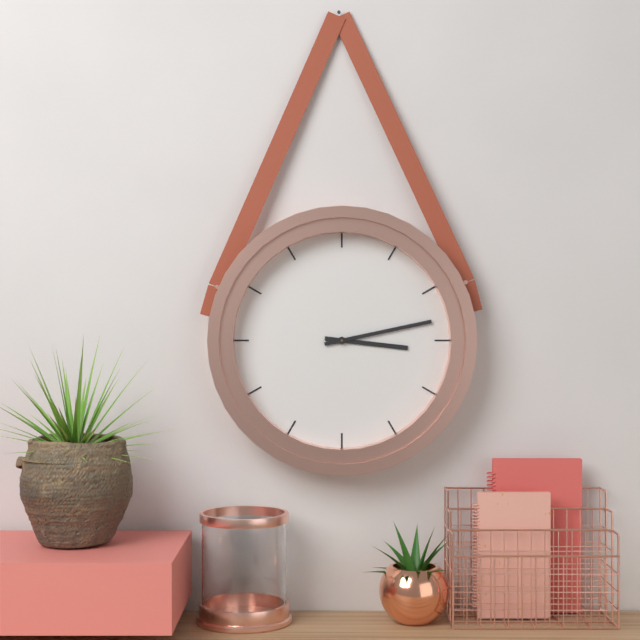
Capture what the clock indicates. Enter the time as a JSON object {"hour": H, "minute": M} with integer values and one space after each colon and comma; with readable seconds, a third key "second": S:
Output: {"hour": 3, "minute": 13}
